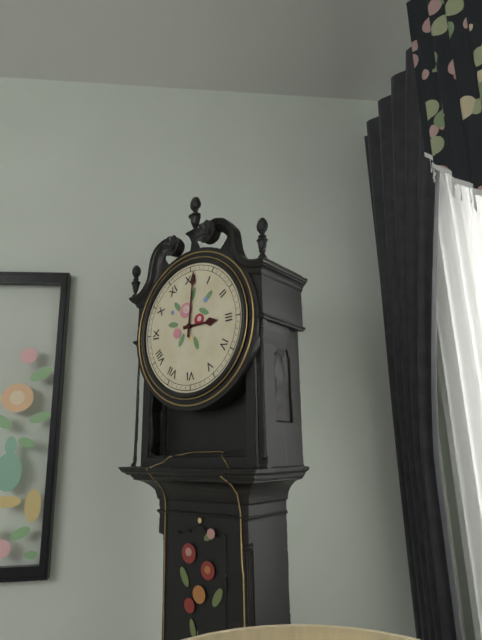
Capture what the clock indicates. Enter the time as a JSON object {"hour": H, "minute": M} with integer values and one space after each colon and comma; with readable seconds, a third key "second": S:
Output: {"hour": 3, "minute": 1}
